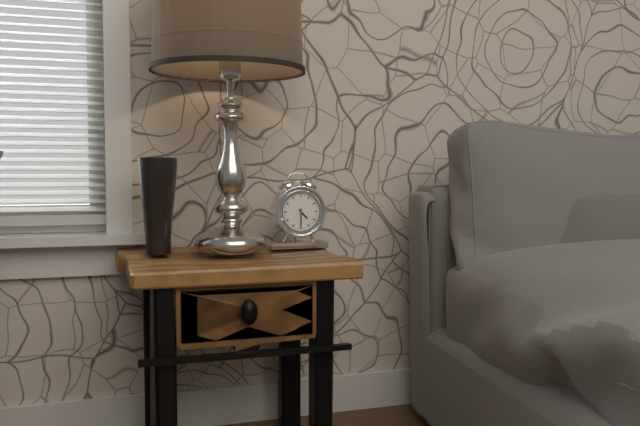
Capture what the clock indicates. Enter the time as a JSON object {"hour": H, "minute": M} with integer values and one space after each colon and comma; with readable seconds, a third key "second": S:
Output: {"hour": 4, "minute": 30}
